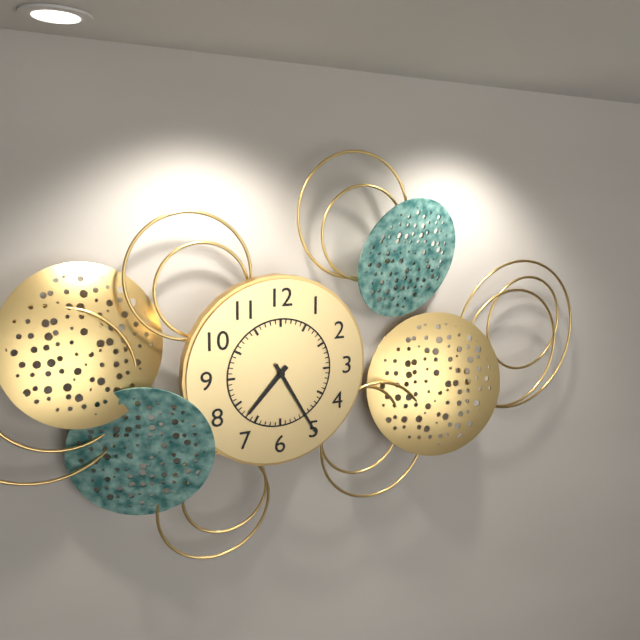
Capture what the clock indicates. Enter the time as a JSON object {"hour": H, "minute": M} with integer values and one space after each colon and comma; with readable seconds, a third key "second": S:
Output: {"hour": 7, "minute": 25}
